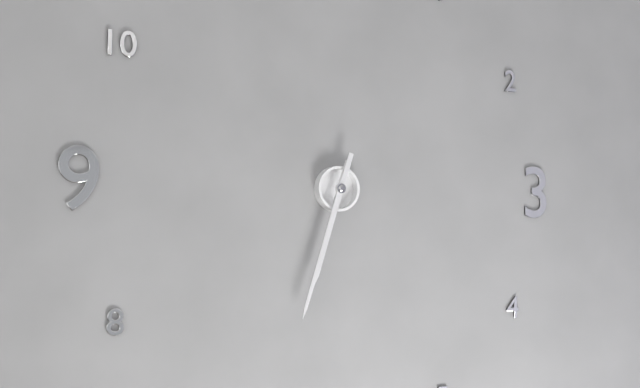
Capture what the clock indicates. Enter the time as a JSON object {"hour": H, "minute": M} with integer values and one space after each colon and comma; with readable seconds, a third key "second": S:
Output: {"hour": 6, "minute": 33}
